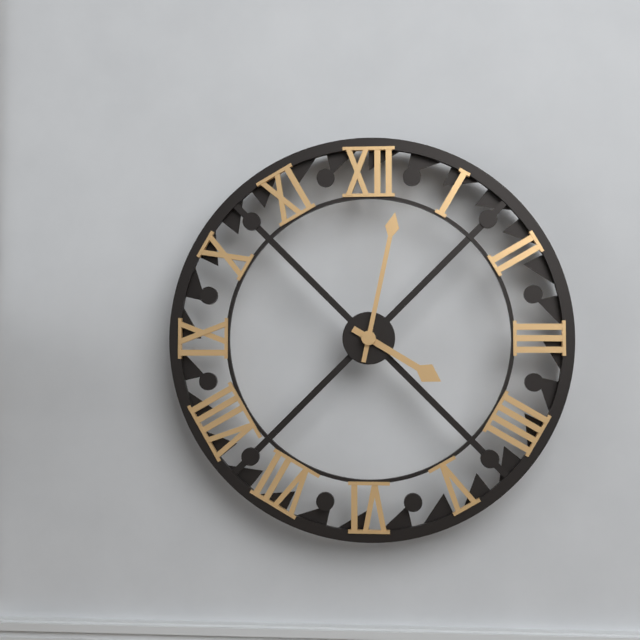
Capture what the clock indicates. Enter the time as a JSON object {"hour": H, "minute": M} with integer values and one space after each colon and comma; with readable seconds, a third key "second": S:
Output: {"hour": 4, "minute": 2}
